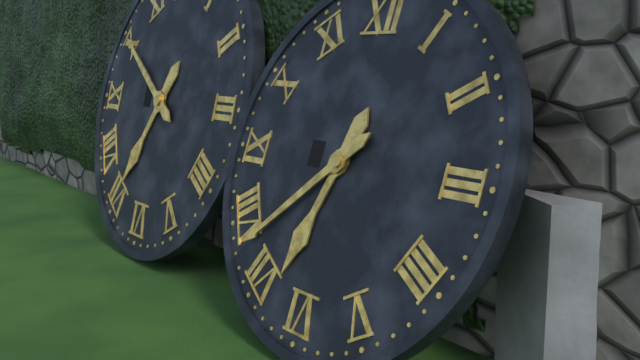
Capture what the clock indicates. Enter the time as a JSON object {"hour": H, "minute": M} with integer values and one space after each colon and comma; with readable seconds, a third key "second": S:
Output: {"hour": 6, "minute": 38}
